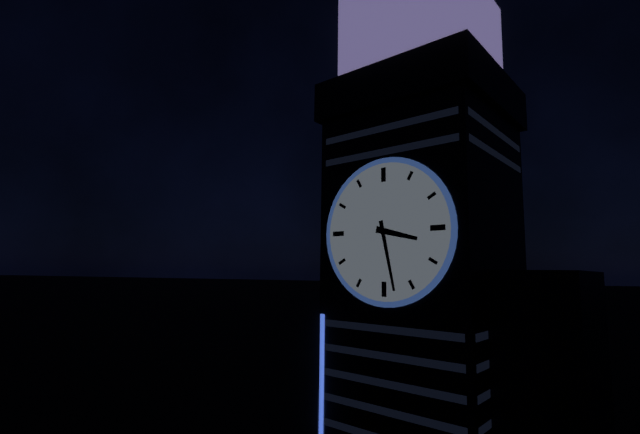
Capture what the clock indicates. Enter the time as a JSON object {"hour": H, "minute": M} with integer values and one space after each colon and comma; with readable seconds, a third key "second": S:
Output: {"hour": 3, "minute": 28}
